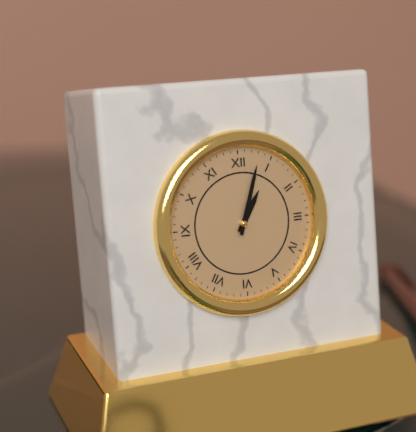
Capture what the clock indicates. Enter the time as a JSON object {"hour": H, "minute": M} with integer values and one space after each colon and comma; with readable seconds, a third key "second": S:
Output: {"hour": 1, "minute": 3}
